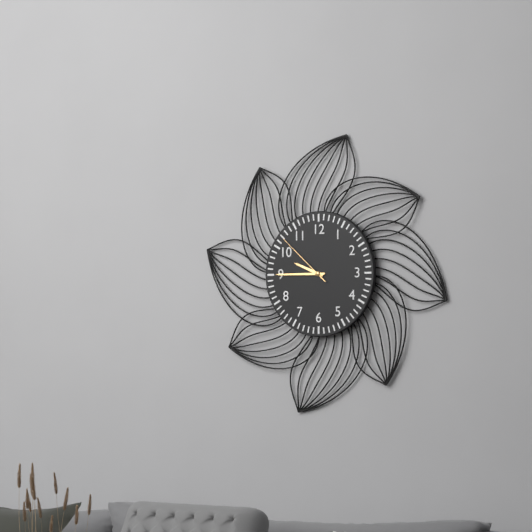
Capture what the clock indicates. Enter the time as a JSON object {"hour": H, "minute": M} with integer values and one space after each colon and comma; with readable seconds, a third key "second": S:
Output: {"hour": 9, "minute": 45, "second": 52}
